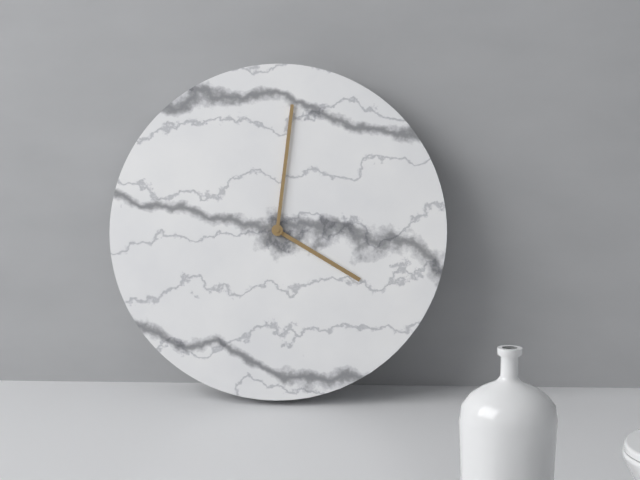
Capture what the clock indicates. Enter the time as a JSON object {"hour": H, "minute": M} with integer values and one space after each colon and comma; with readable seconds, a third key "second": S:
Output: {"hour": 4, "minute": 1}
